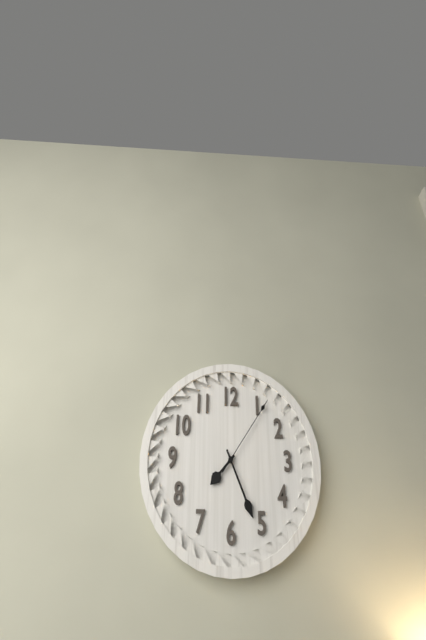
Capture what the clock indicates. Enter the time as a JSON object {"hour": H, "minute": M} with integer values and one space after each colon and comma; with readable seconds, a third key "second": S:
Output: {"hour": 7, "minute": 26, "second": 6}
